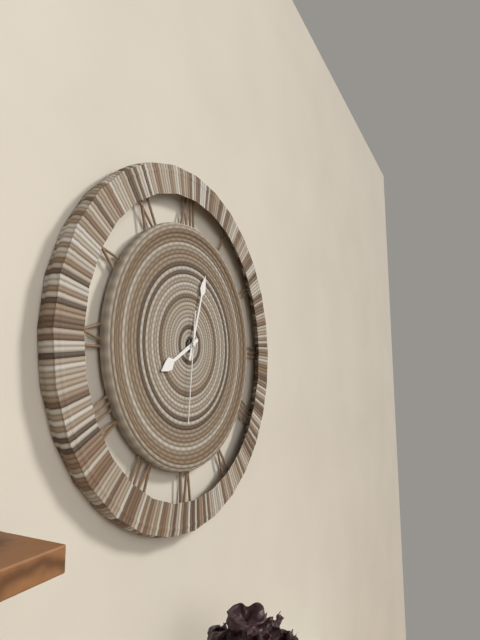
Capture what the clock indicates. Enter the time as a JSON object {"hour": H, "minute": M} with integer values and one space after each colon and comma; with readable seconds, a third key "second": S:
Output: {"hour": 8, "minute": 3, "second": 31}
